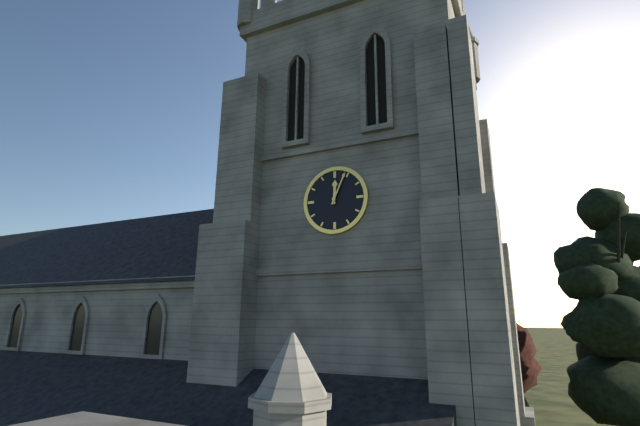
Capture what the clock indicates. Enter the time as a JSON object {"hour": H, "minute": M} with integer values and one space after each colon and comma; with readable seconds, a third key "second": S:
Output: {"hour": 12, "minute": 4}
